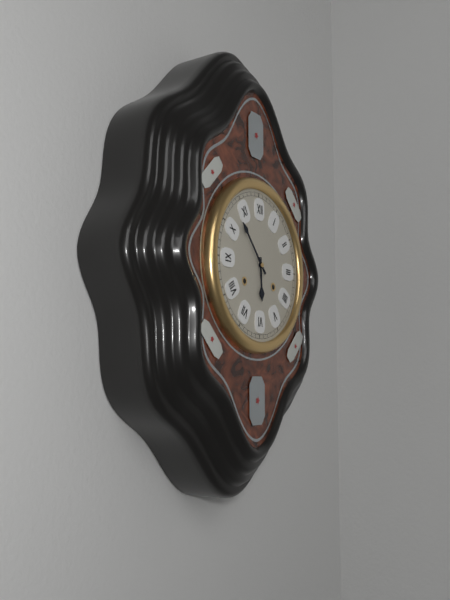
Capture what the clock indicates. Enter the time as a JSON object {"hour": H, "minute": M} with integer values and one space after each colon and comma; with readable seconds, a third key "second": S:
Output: {"hour": 5, "minute": 53}
